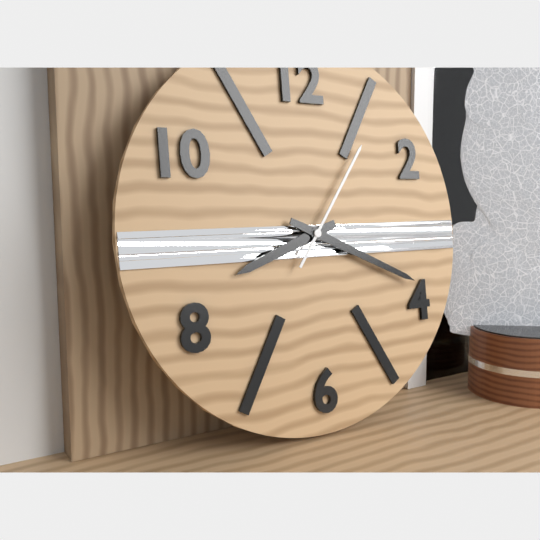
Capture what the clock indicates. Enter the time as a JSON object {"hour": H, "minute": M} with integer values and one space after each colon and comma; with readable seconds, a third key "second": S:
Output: {"hour": 8, "minute": 19, "second": 6}
